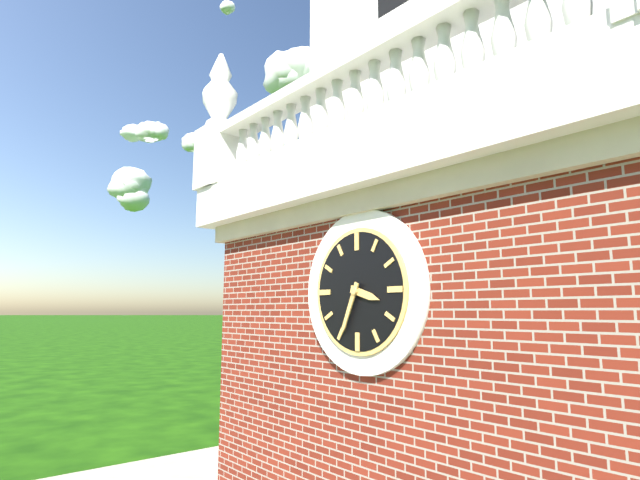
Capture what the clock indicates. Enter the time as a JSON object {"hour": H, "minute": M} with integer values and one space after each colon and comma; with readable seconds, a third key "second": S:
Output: {"hour": 3, "minute": 34}
